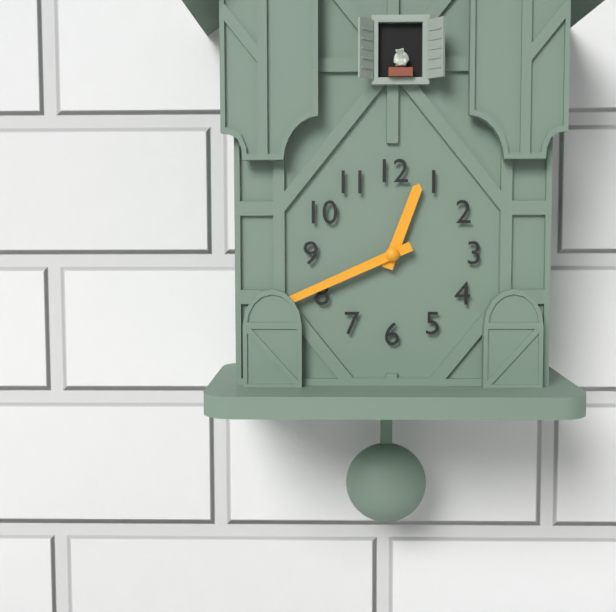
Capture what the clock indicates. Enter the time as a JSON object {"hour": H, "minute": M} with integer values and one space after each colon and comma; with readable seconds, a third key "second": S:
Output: {"hour": 12, "minute": 41}
